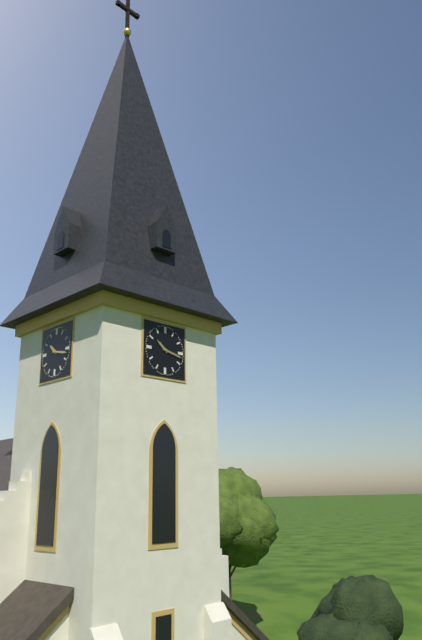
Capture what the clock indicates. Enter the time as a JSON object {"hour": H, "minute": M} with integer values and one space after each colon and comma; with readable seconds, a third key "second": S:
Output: {"hour": 10, "minute": 17}
